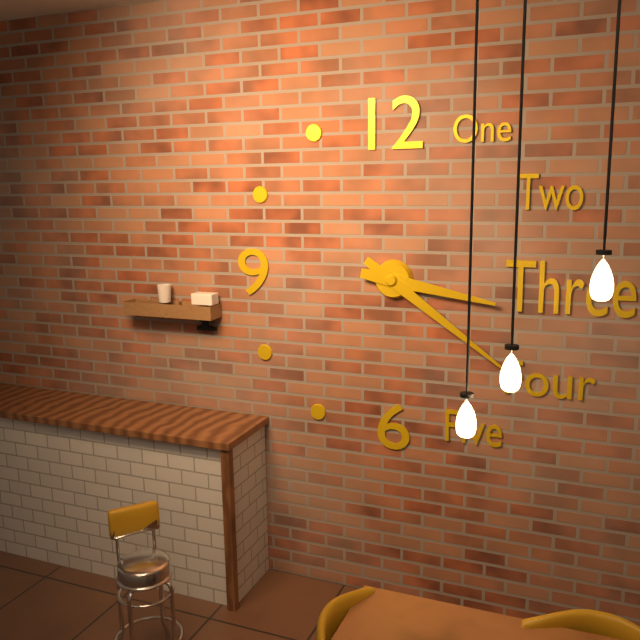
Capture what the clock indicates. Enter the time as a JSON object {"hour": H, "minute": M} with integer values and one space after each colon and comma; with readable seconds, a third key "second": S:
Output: {"hour": 3, "minute": 21}
